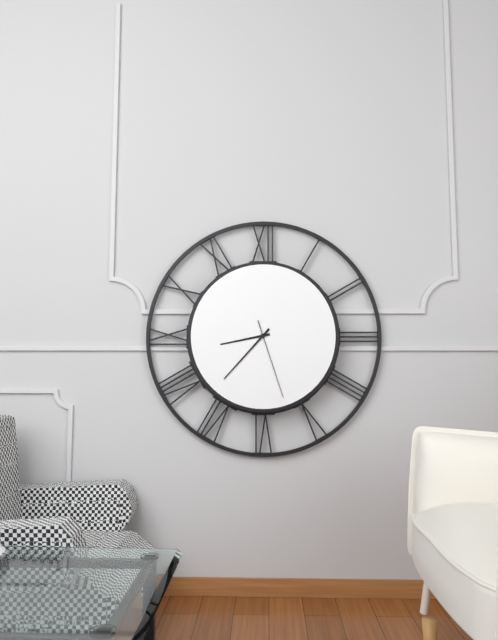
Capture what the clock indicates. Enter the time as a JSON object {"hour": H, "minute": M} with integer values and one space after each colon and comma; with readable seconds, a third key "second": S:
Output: {"hour": 8, "minute": 37, "second": 27}
